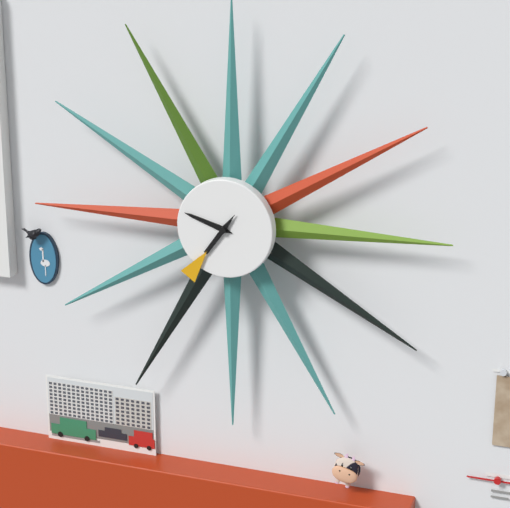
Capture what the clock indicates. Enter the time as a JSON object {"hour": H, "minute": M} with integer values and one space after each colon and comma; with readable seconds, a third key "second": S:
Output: {"hour": 9, "minute": 36}
